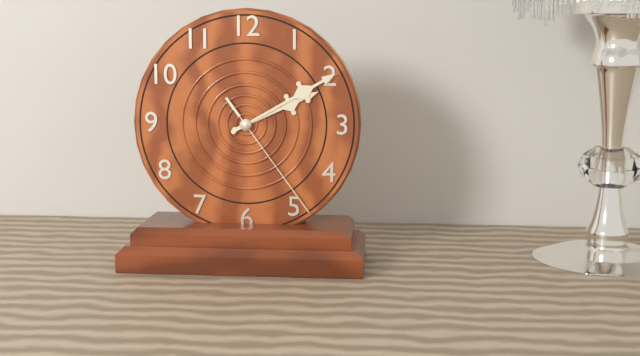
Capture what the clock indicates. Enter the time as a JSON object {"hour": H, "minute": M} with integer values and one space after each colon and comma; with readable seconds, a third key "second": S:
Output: {"hour": 2, "minute": 10, "second": 24}
